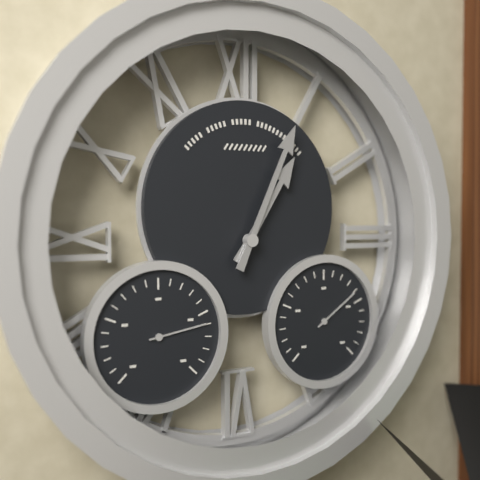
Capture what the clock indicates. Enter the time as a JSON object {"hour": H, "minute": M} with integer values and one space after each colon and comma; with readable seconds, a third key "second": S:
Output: {"hour": 1, "minute": 4}
